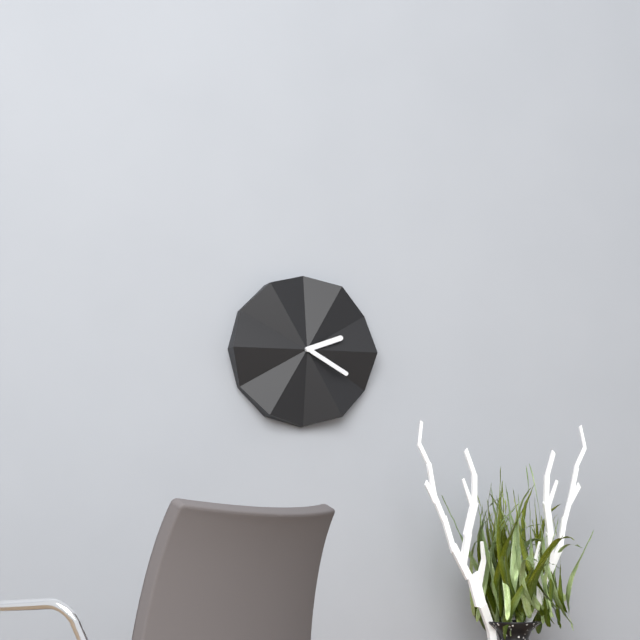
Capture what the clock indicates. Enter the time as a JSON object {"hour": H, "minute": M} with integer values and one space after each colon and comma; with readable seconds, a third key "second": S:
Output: {"hour": 2, "minute": 20}
